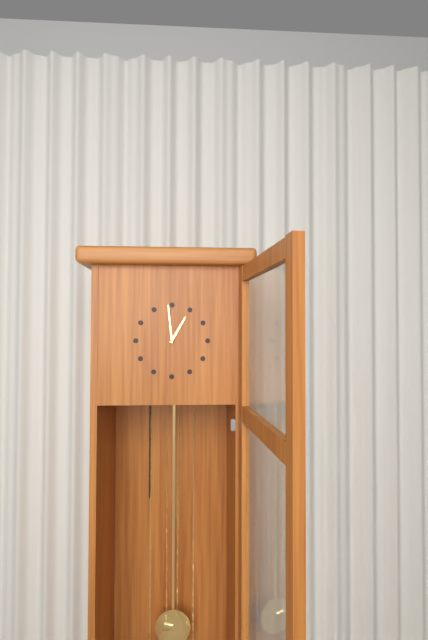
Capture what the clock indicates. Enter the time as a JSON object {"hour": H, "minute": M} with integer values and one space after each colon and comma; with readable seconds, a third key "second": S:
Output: {"hour": 12, "minute": 59}
